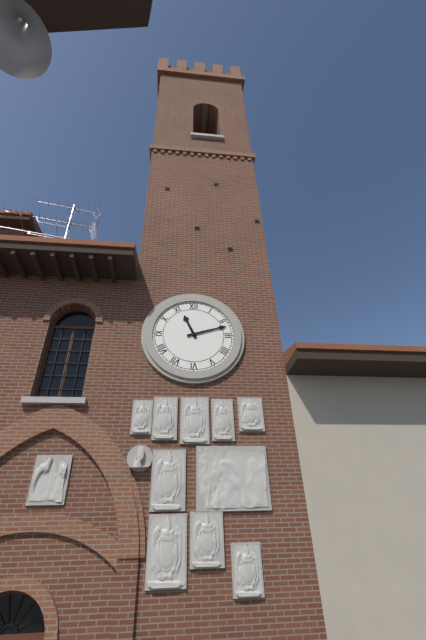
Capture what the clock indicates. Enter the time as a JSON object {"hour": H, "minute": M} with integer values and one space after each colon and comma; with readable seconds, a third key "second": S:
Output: {"hour": 11, "minute": 12}
